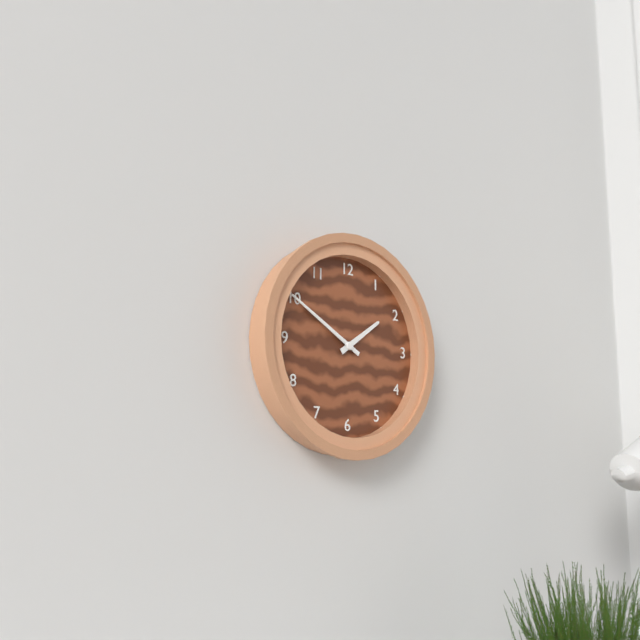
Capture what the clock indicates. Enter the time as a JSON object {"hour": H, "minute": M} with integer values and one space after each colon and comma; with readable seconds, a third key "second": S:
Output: {"hour": 1, "minute": 50}
